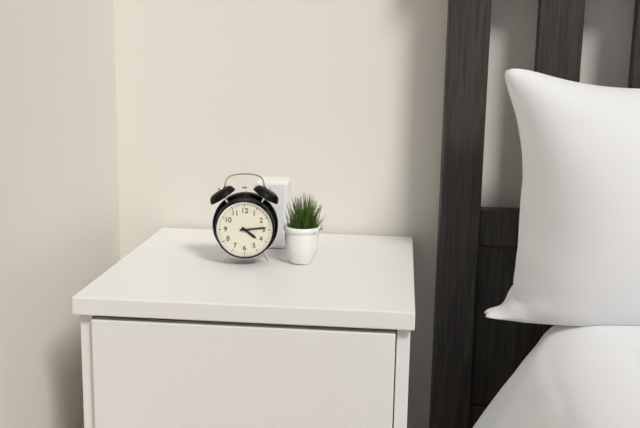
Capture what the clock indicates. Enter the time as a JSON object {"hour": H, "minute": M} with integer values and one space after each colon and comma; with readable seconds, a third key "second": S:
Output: {"hour": 4, "minute": 14}
